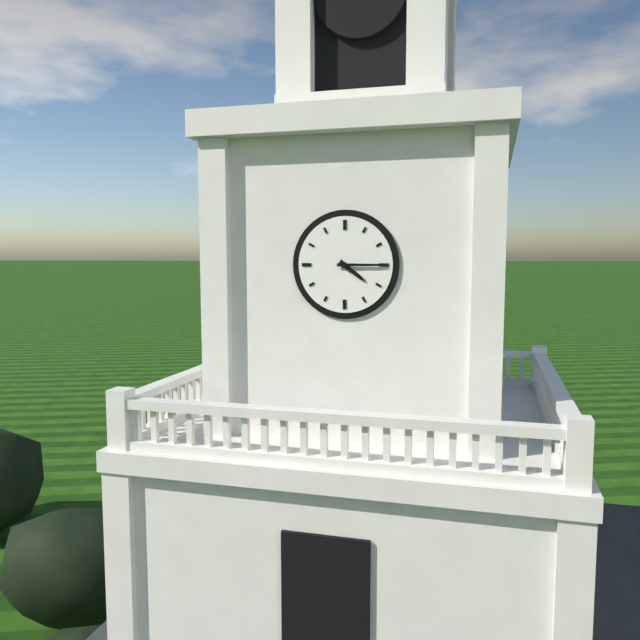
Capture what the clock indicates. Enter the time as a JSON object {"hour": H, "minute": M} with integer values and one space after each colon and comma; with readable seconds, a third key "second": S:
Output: {"hour": 4, "minute": 15}
